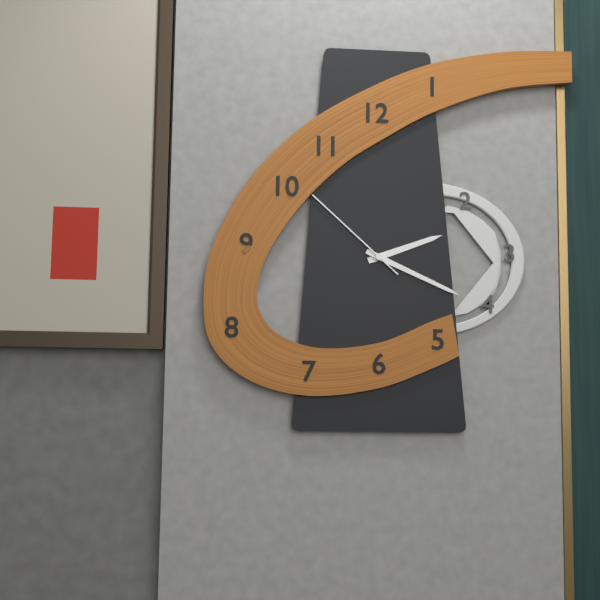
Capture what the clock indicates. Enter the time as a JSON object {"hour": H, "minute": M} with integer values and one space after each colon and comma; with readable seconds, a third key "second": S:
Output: {"hour": 2, "minute": 19, "second": 52}
